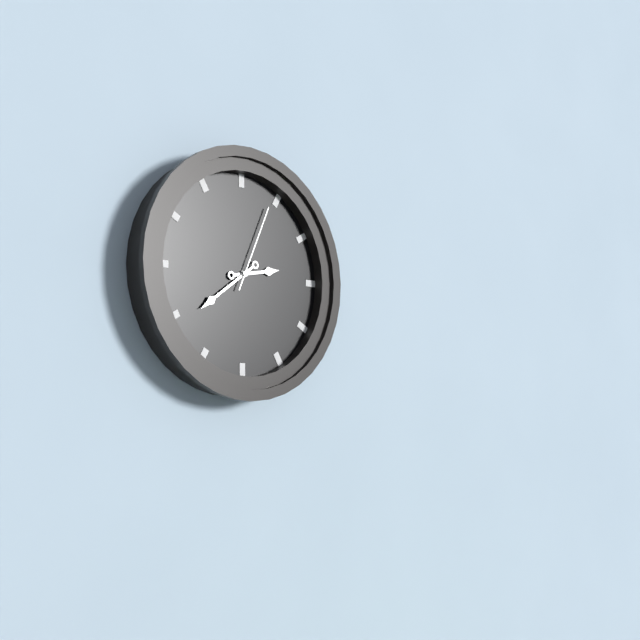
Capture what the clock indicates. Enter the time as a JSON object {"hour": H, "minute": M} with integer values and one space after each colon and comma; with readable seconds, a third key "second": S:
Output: {"hour": 2, "minute": 39, "second": 4}
